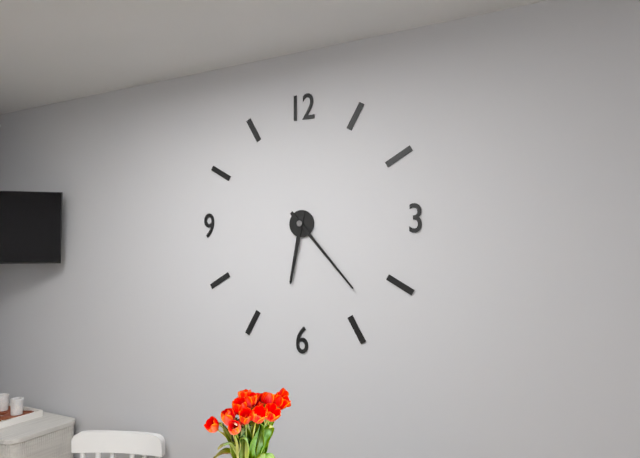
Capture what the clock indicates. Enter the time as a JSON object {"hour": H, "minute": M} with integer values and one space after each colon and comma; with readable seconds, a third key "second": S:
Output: {"hour": 6, "minute": 23}
